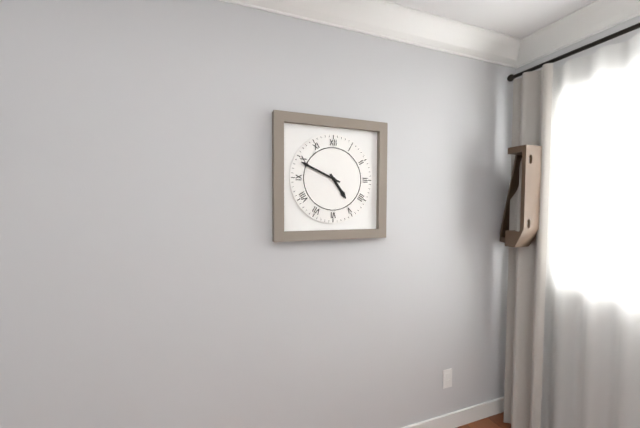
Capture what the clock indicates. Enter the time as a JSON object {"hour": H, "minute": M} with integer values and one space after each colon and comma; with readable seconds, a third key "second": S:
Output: {"hour": 4, "minute": 49}
